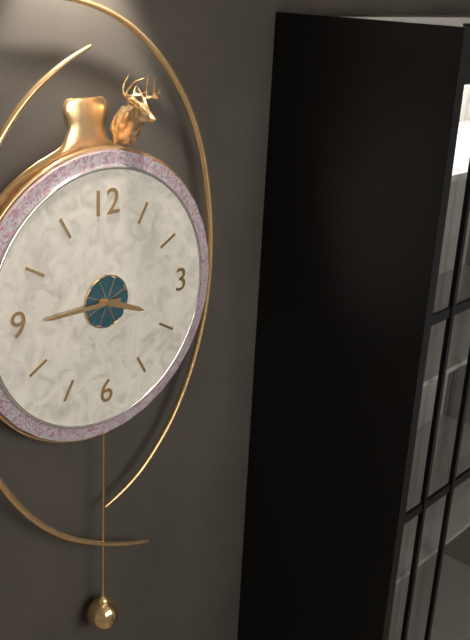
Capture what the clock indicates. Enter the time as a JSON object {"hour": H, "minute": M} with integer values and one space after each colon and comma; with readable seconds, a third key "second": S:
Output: {"hour": 3, "minute": 45}
